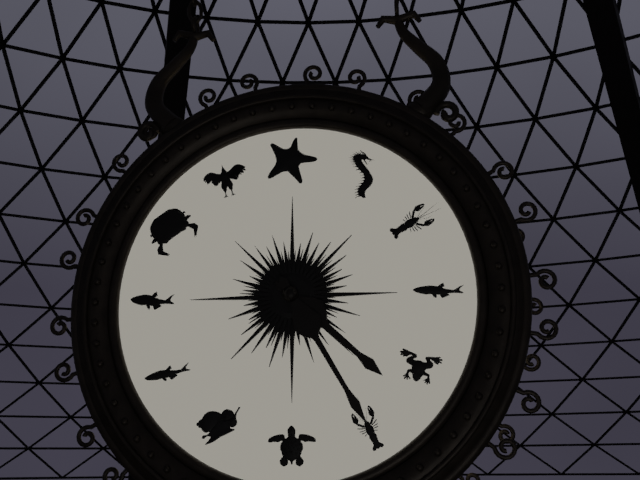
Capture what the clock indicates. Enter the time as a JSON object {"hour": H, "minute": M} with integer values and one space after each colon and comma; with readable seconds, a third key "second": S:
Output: {"hour": 4, "minute": 25}
